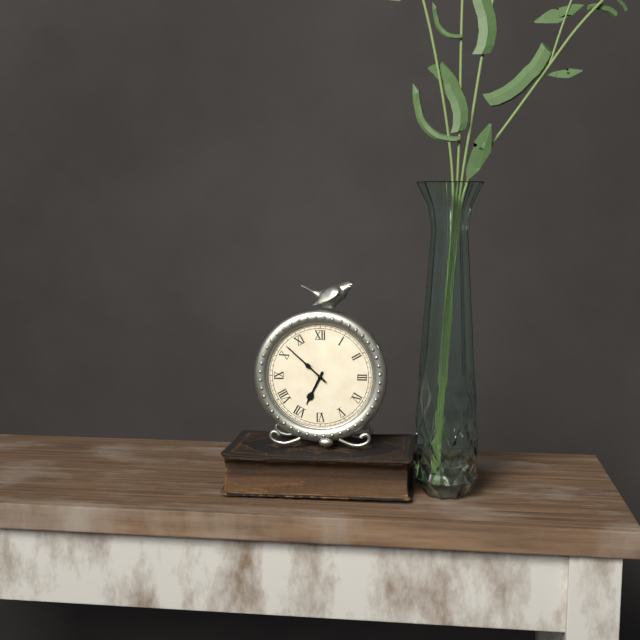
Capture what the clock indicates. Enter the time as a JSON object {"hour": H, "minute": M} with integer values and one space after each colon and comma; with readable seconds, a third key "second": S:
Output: {"hour": 6, "minute": 52}
